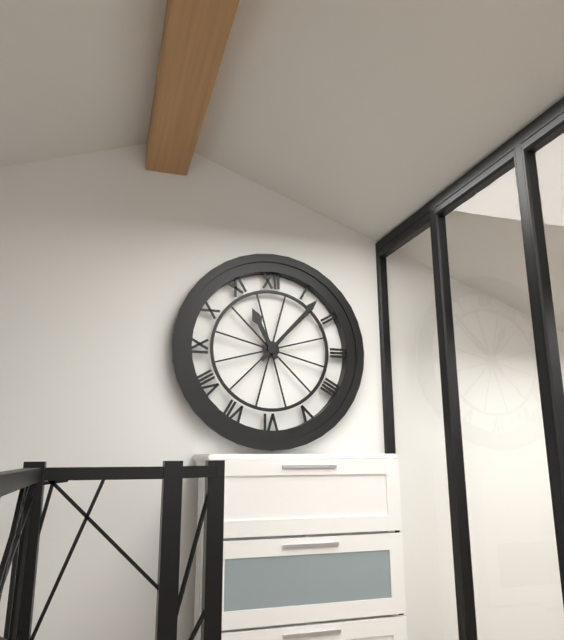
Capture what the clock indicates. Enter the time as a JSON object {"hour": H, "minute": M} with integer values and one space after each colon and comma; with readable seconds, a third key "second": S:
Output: {"hour": 11, "minute": 7}
